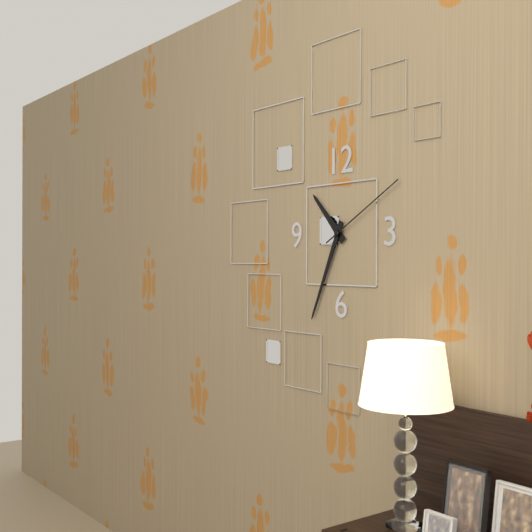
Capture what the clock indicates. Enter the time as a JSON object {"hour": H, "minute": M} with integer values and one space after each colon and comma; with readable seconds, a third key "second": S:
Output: {"hour": 10, "minute": 34, "second": 10}
